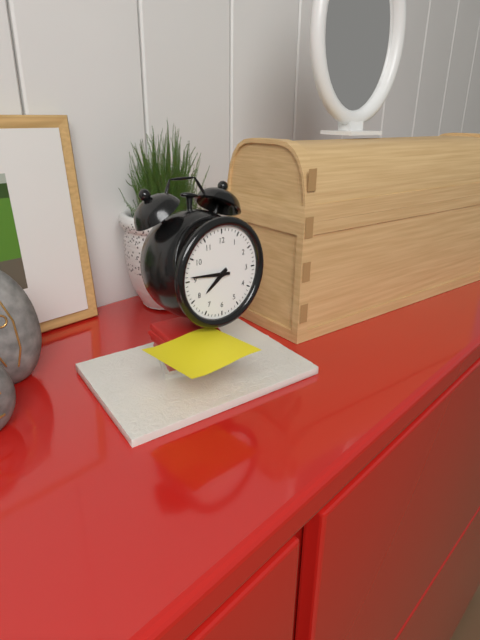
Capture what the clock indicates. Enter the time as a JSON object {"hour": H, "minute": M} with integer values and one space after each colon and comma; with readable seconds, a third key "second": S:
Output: {"hour": 7, "minute": 46}
